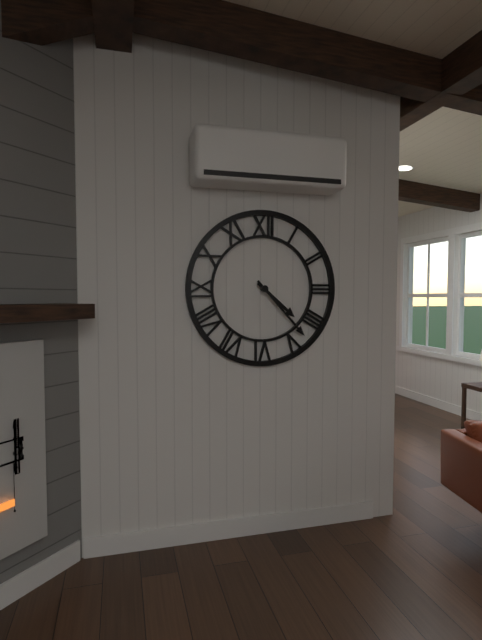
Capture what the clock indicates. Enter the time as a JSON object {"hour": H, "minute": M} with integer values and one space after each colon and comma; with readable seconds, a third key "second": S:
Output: {"hour": 4, "minute": 23}
